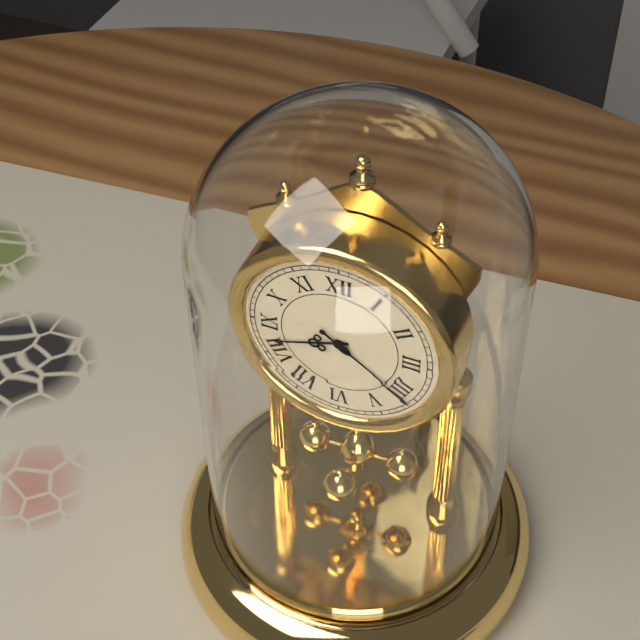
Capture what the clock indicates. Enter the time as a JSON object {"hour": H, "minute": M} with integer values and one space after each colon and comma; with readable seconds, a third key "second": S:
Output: {"hour": 8, "minute": 21}
